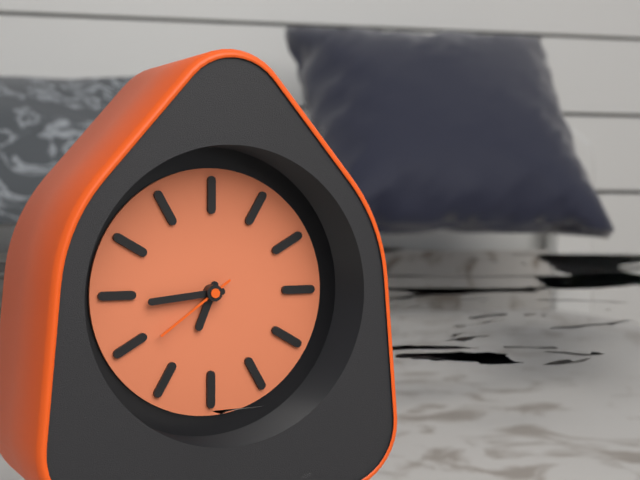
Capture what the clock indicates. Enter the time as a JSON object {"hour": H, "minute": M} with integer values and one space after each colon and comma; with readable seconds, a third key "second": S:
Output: {"hour": 6, "minute": 44, "second": 39}
